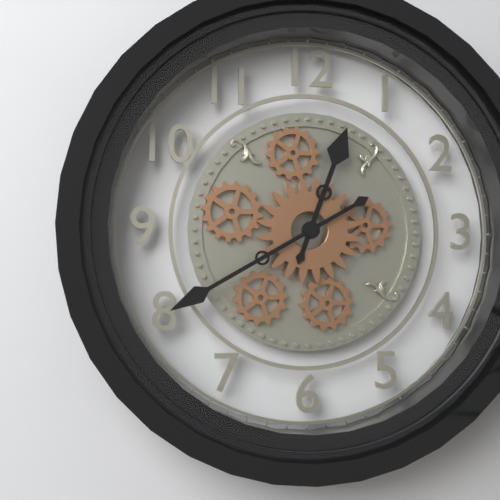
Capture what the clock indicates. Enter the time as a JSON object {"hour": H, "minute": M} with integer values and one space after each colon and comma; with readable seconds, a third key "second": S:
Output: {"hour": 12, "minute": 40}
